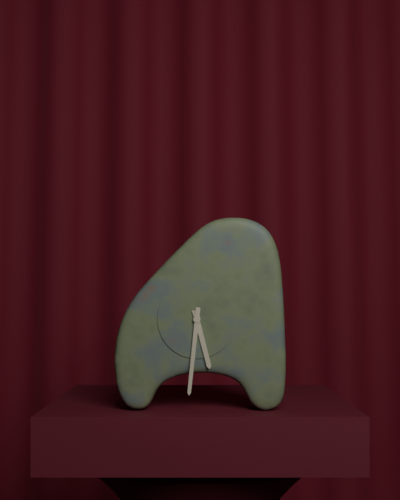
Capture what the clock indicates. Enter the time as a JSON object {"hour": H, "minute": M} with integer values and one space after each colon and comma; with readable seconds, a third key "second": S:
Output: {"hour": 5, "minute": 31}
